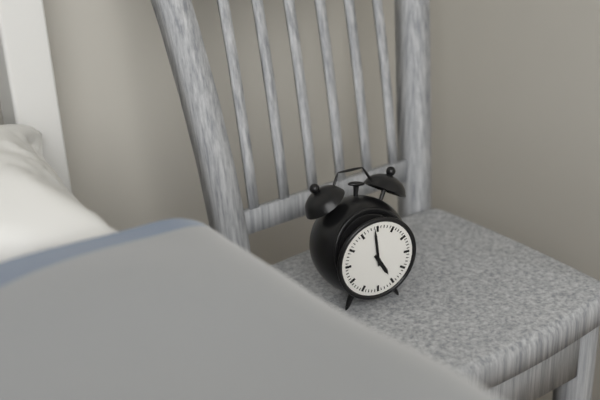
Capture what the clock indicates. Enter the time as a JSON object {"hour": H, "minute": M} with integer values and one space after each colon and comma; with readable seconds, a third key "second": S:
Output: {"hour": 4, "minute": 59}
